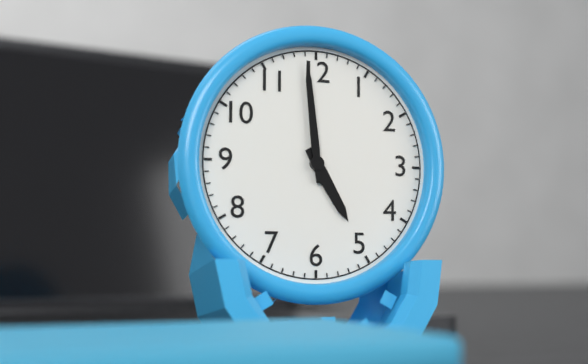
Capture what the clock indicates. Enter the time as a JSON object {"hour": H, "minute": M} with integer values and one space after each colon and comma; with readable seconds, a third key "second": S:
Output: {"hour": 4, "minute": 59}
